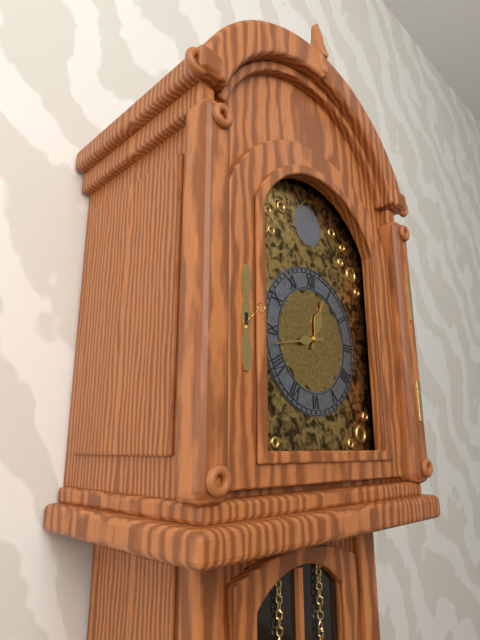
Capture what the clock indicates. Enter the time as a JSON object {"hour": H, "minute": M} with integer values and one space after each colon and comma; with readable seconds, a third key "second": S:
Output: {"hour": 12, "minute": 43}
